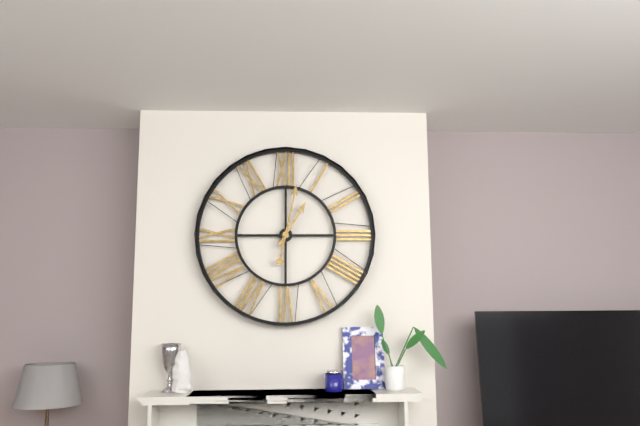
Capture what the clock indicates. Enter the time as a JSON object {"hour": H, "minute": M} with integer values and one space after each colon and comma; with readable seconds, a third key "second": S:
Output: {"hour": 1, "minute": 2}
